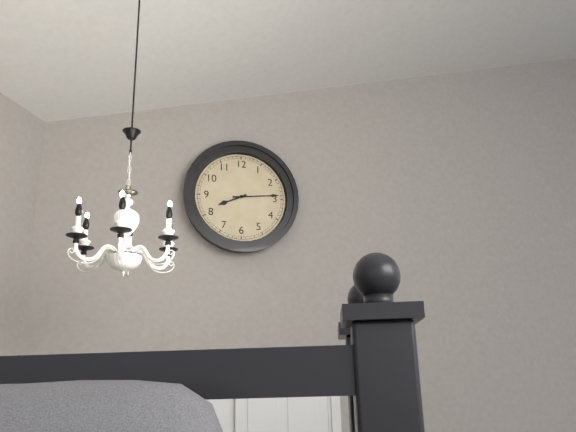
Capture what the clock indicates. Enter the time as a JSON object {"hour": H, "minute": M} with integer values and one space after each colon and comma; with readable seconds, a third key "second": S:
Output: {"hour": 8, "minute": 14}
